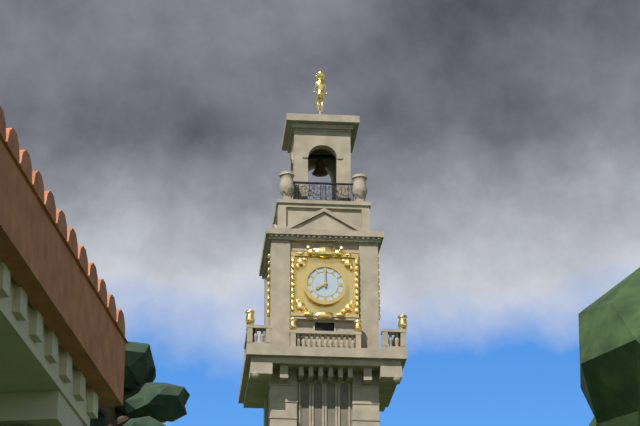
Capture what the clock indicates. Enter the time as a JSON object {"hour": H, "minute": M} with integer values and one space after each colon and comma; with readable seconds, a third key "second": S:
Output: {"hour": 8, "minute": 0}
